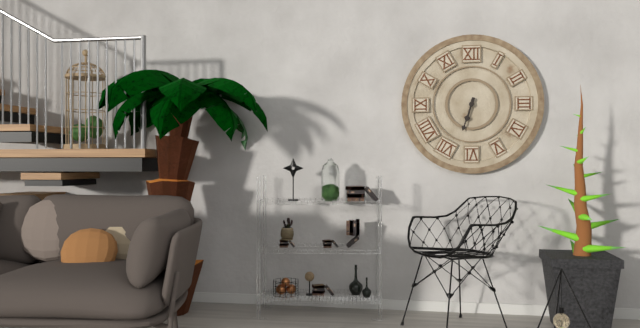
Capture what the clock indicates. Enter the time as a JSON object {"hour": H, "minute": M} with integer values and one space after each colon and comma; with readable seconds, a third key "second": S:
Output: {"hour": 6, "minute": 33}
